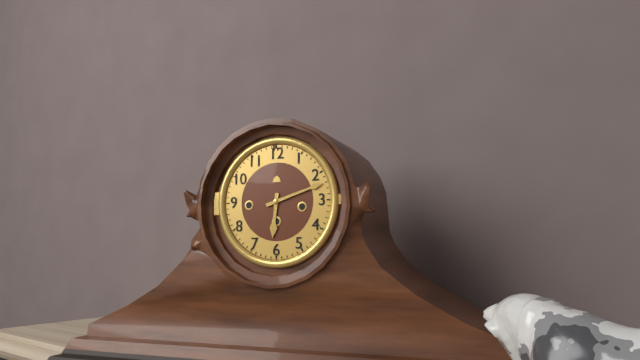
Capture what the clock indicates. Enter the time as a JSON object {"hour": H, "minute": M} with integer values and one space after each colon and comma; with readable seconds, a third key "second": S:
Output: {"hour": 6, "minute": 12}
